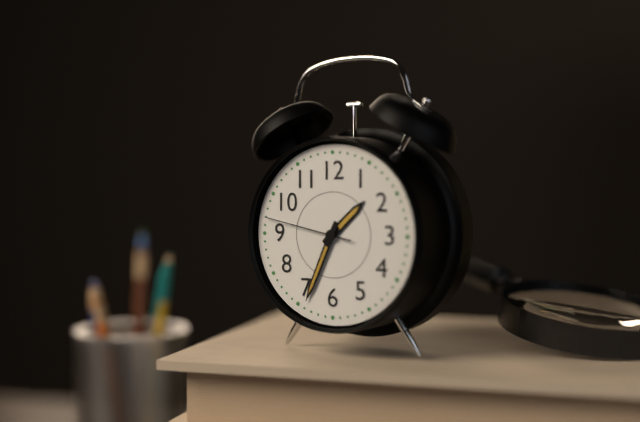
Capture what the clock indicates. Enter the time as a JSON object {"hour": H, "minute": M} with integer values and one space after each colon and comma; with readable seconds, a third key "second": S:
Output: {"hour": 1, "minute": 34, "second": 47}
